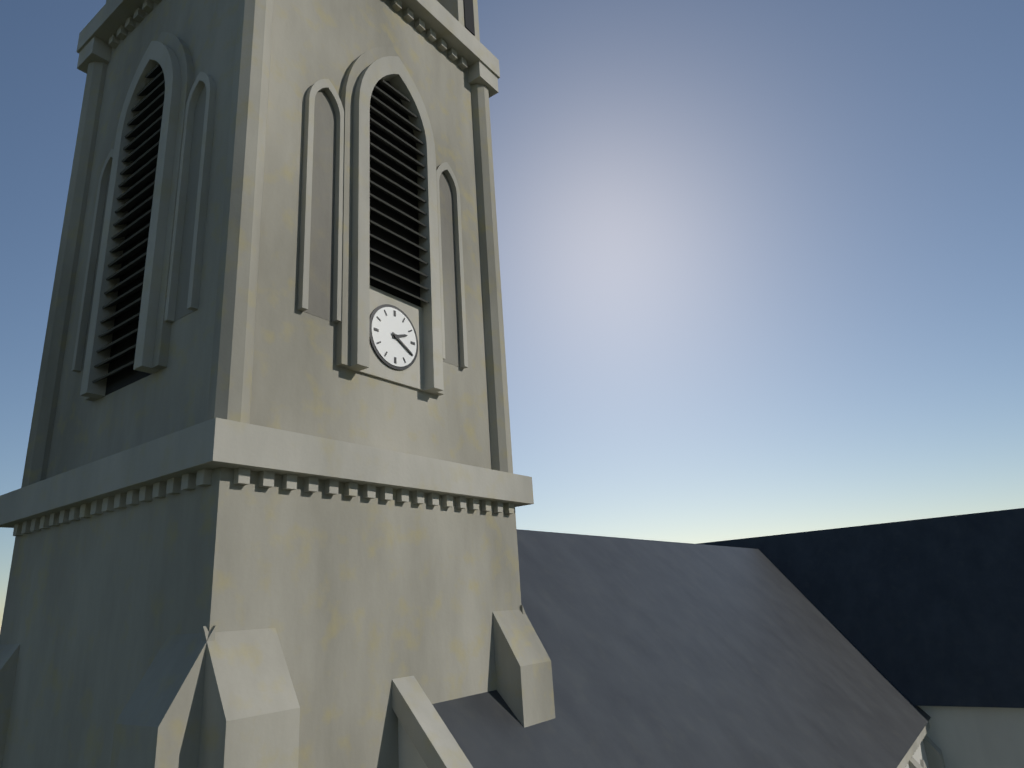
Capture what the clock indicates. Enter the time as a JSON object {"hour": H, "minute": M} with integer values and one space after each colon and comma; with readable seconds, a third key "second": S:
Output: {"hour": 2, "minute": 20}
